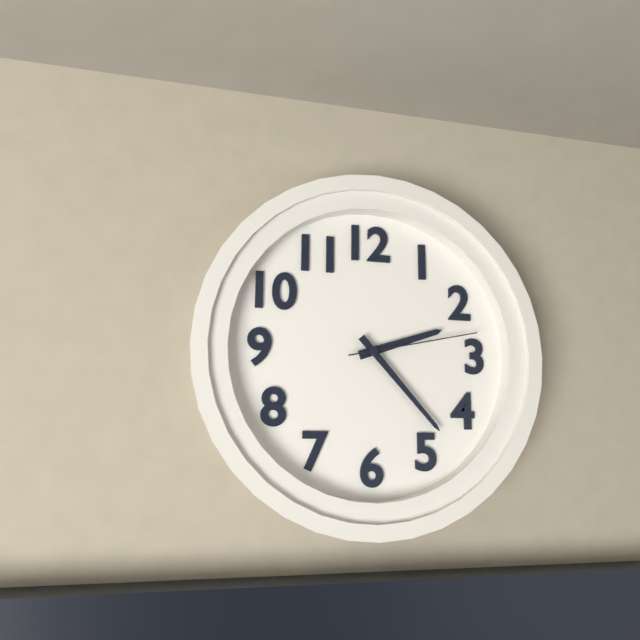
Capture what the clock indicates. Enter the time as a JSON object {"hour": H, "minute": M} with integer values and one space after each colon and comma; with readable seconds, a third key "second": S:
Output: {"hour": 2, "minute": 23, "second": 13}
